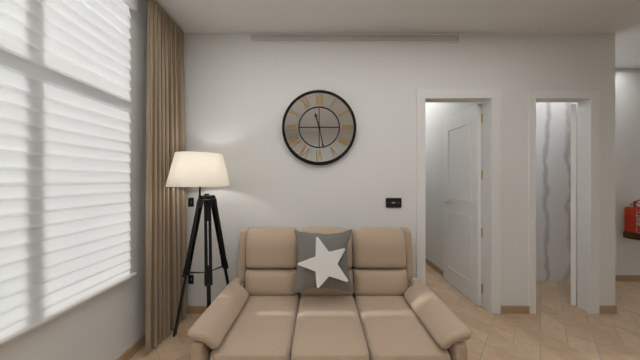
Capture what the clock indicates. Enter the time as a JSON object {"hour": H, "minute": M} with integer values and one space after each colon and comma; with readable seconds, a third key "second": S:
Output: {"hour": 11, "minute": 28}
